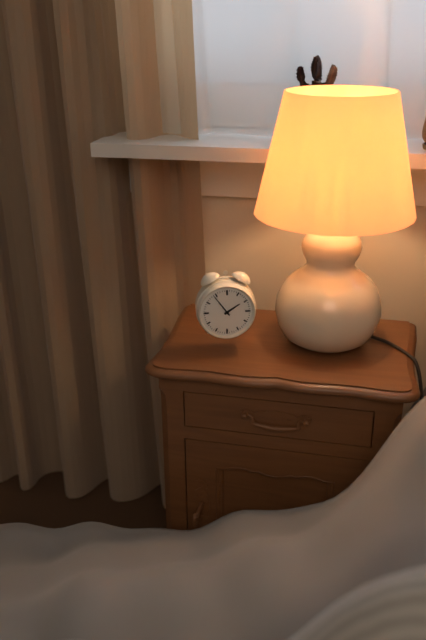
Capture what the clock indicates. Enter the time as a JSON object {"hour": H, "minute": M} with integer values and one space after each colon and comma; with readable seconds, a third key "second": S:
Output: {"hour": 1, "minute": 54}
